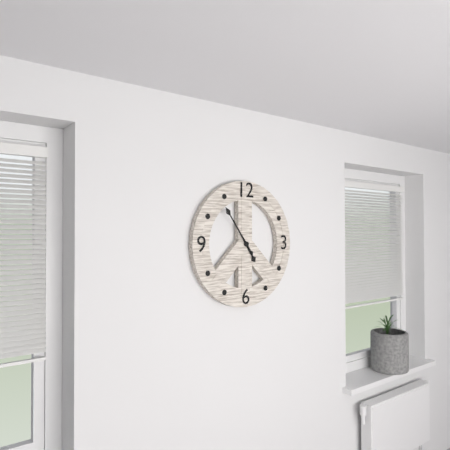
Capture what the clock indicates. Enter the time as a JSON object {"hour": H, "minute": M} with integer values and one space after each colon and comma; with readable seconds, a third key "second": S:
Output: {"hour": 4, "minute": 54}
